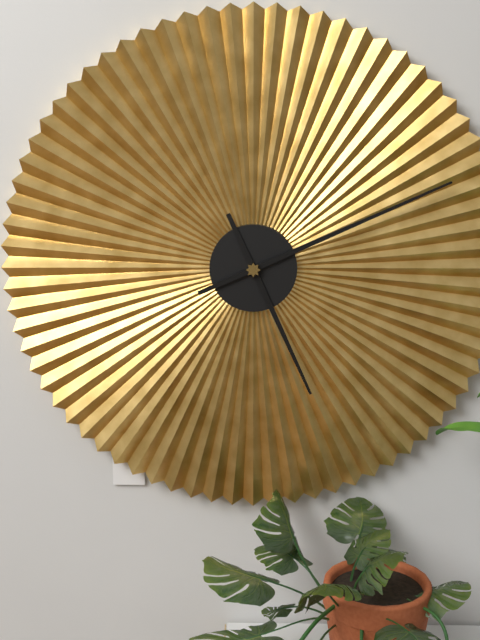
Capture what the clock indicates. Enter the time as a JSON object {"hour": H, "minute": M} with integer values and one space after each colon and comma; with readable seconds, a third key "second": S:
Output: {"hour": 5, "minute": 11}
